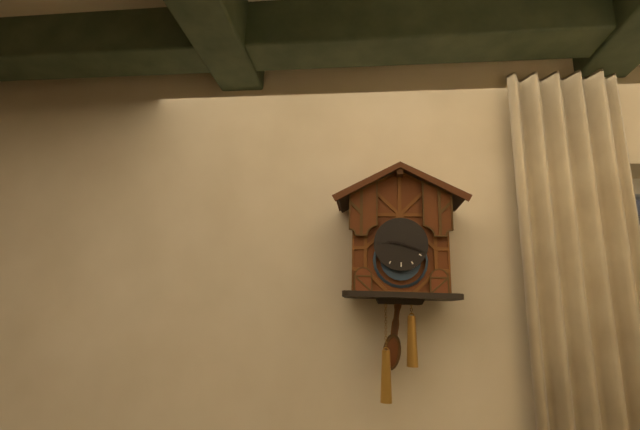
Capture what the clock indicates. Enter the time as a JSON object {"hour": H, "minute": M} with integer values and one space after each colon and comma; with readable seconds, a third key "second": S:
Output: {"hour": 9, "minute": 18}
